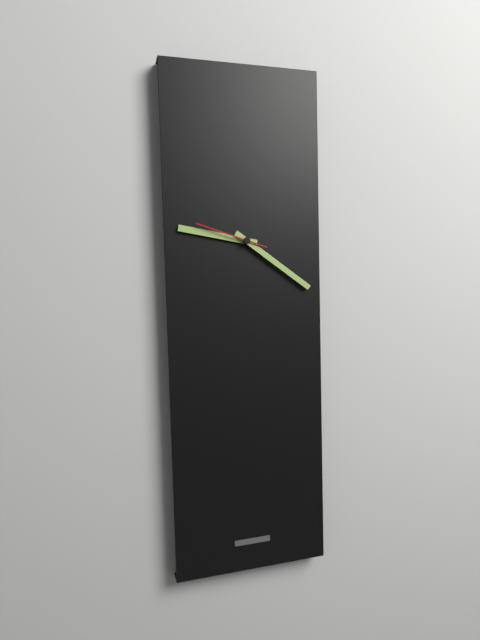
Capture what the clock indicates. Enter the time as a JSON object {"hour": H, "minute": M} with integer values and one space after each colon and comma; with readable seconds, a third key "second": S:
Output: {"hour": 9, "minute": 21, "second": 48}
